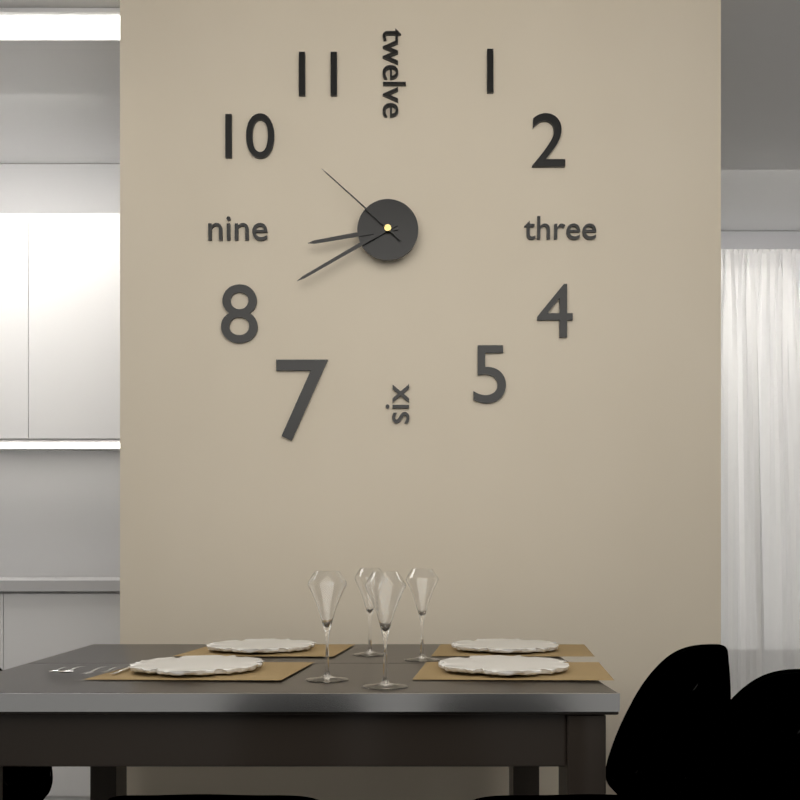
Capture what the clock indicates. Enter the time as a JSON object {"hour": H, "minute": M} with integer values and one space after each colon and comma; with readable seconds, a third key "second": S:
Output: {"hour": 8, "minute": 40, "second": 52}
